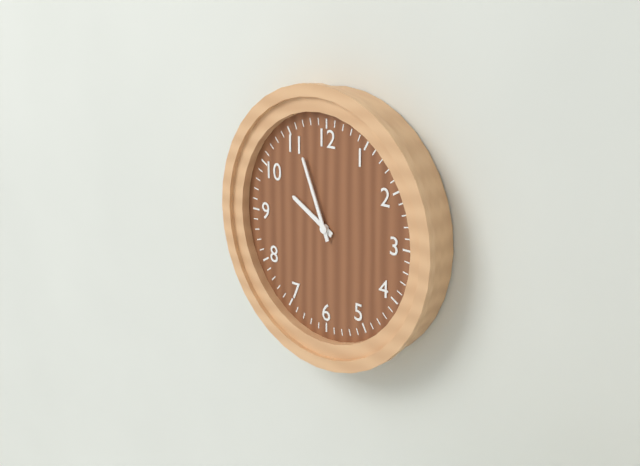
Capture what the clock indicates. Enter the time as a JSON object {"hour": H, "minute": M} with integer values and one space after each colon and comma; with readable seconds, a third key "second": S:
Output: {"hour": 9, "minute": 56}
